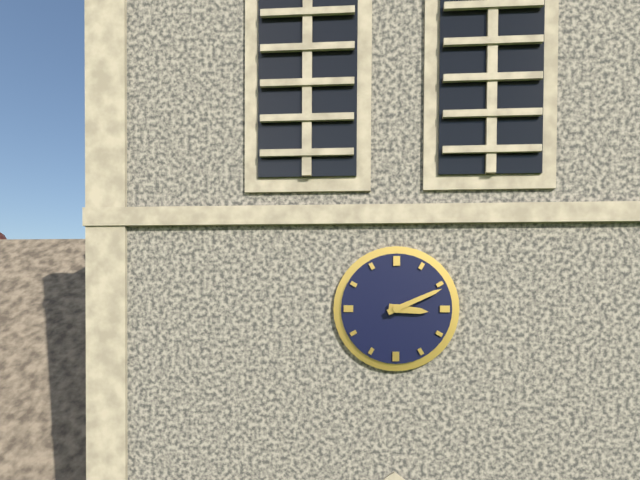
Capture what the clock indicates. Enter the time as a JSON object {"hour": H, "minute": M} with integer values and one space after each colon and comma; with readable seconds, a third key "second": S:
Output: {"hour": 3, "minute": 11}
